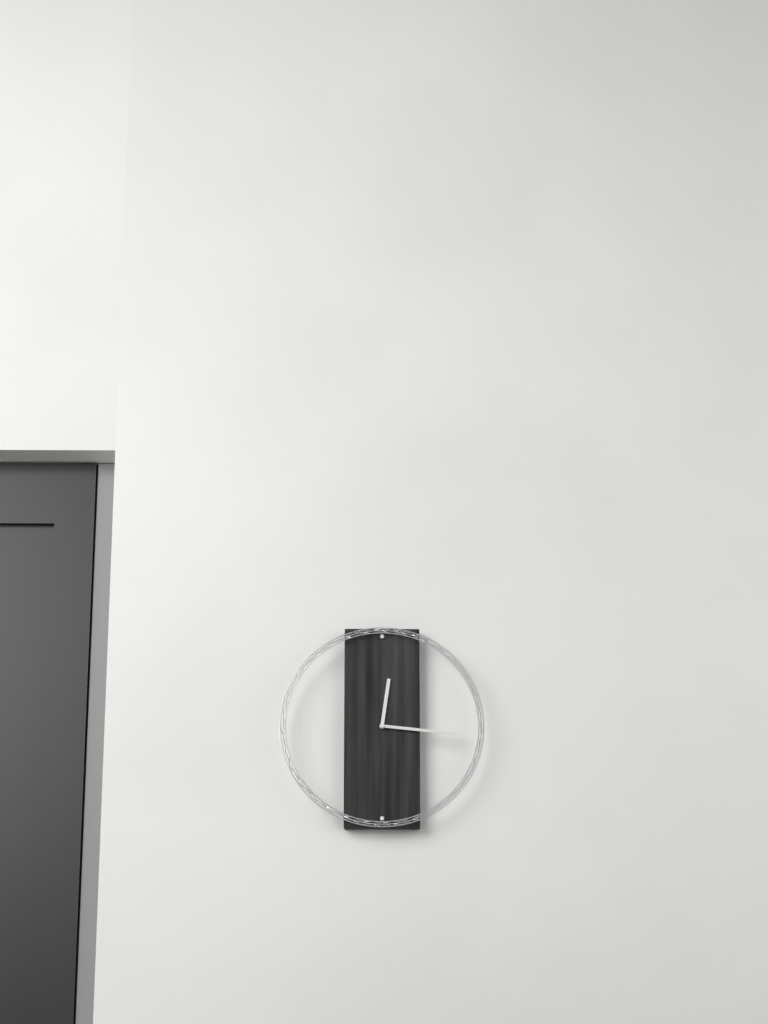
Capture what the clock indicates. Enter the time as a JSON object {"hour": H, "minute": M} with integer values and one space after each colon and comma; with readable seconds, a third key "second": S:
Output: {"hour": 12, "minute": 16}
